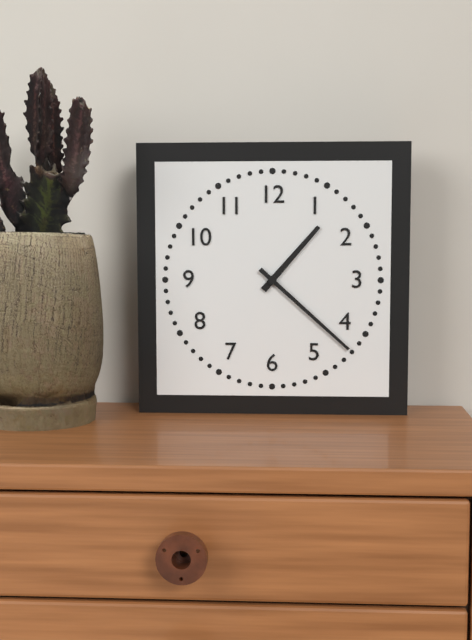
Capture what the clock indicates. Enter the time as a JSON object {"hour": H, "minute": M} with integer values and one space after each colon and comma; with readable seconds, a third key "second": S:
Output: {"hour": 1, "minute": 22}
